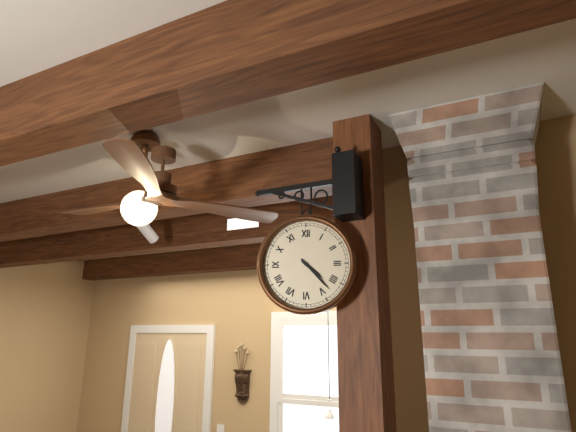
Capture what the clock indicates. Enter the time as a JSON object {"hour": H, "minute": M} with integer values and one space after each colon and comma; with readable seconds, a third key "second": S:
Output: {"hour": 4, "minute": 23}
